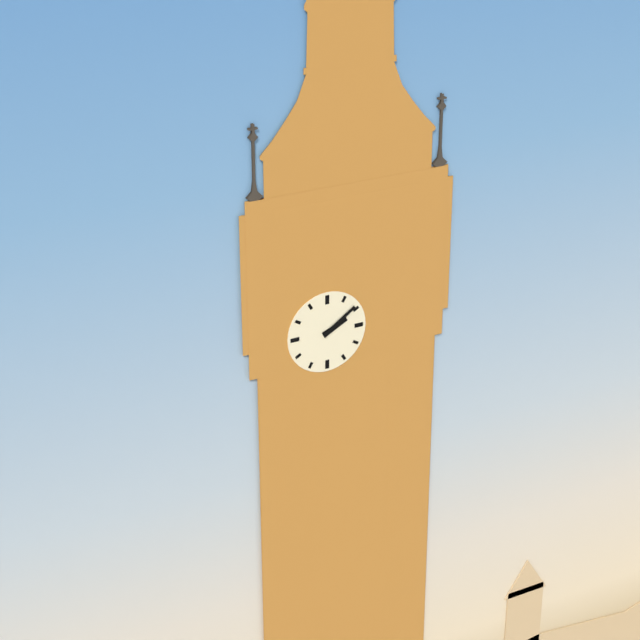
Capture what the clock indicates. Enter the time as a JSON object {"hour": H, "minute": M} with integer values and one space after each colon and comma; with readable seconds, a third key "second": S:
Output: {"hour": 2, "minute": 9}
